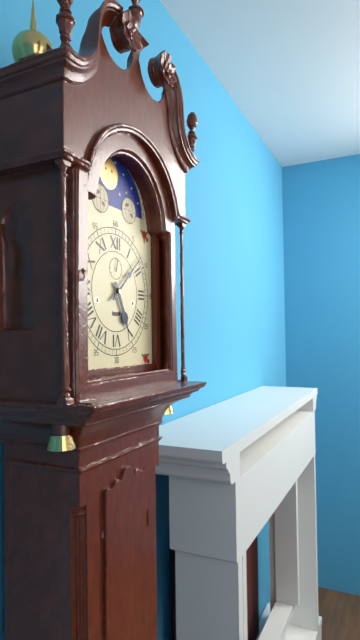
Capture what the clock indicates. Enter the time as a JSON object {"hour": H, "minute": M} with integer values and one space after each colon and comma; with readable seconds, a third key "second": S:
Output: {"hour": 5, "minute": 8}
